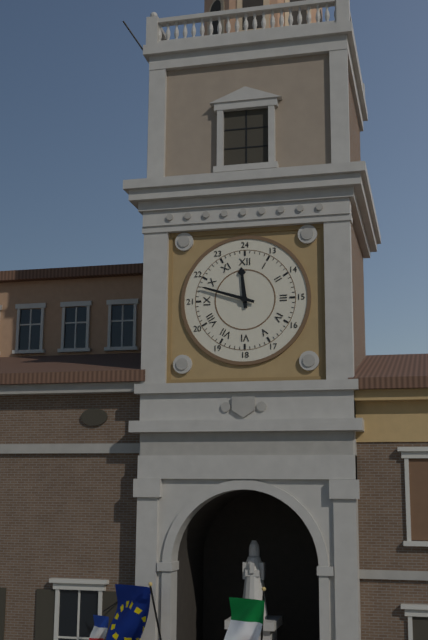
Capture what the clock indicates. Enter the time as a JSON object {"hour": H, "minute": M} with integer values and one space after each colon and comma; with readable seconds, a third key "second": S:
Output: {"hour": 11, "minute": 48}
